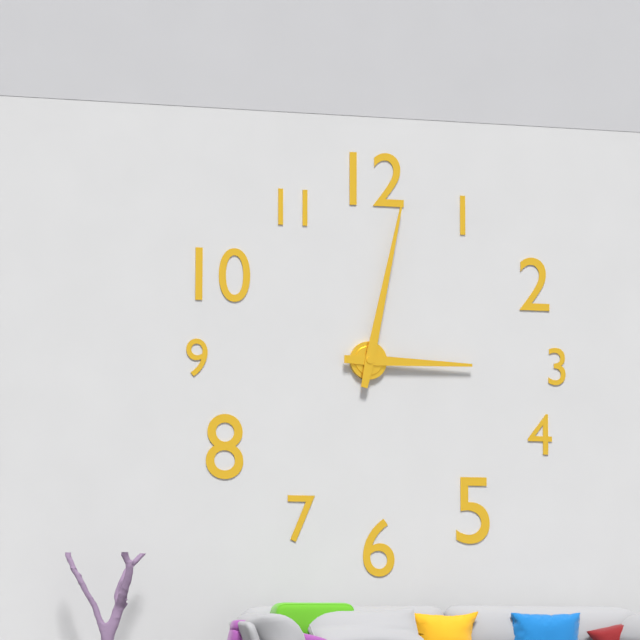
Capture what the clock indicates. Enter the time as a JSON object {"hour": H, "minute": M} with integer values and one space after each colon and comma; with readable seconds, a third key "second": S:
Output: {"hour": 3, "minute": 2}
